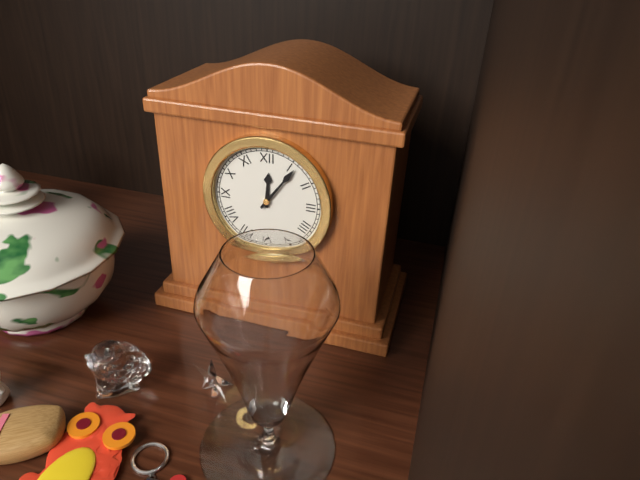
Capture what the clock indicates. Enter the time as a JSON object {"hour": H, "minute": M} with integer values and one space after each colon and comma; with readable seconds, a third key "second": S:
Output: {"hour": 12, "minute": 6}
